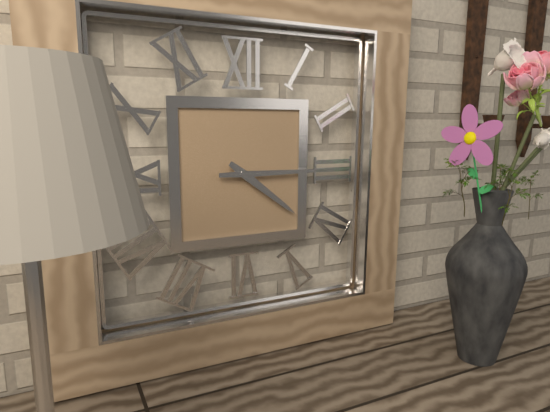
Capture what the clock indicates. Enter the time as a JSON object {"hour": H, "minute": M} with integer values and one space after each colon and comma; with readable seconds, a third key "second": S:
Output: {"hour": 4, "minute": 15}
